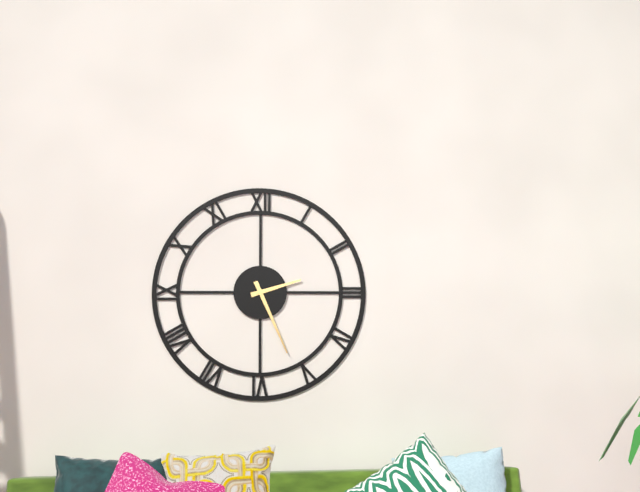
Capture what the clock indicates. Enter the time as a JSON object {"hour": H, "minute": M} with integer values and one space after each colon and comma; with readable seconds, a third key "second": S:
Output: {"hour": 2, "minute": 26}
